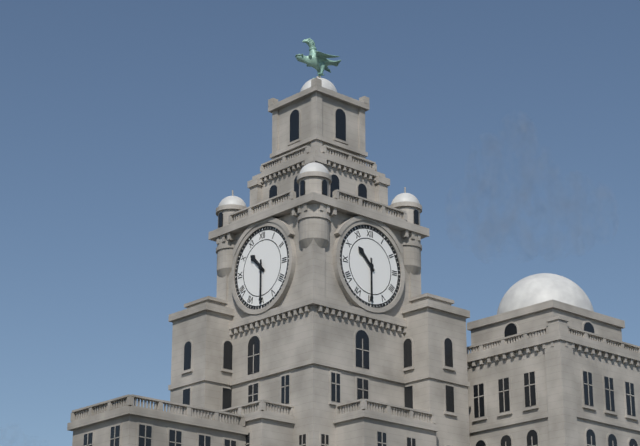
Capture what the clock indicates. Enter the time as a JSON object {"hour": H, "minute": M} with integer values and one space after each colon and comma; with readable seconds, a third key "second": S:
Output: {"hour": 10, "minute": 30}
